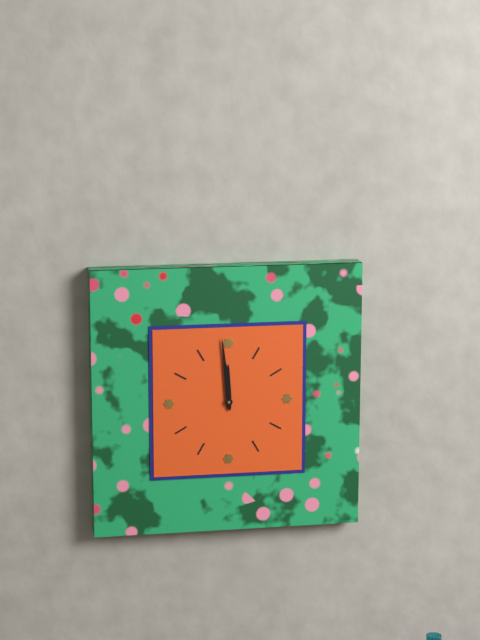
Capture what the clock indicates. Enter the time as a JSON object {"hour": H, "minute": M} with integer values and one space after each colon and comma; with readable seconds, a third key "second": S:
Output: {"hour": 11, "minute": 59}
